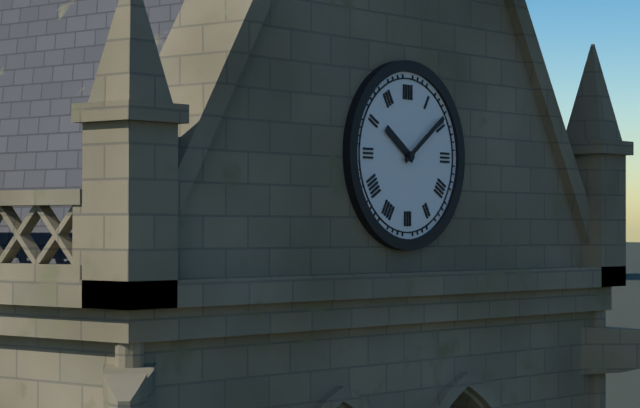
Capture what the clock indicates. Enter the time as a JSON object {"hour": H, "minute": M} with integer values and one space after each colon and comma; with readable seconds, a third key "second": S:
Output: {"hour": 10, "minute": 9}
